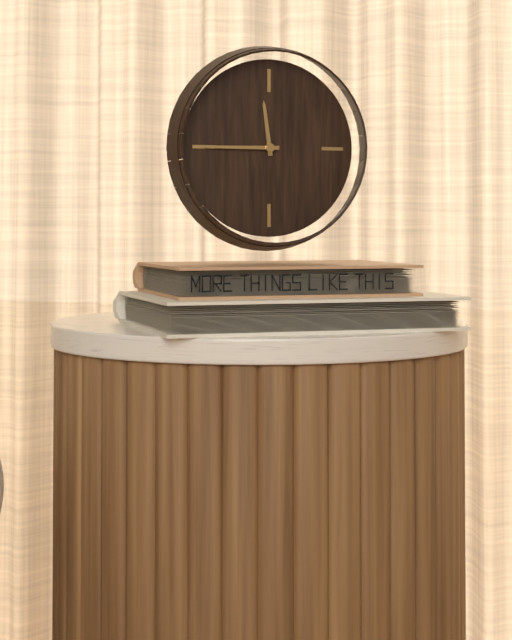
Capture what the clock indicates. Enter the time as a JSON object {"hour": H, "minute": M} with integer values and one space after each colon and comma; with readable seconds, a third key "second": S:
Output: {"hour": 11, "minute": 45}
